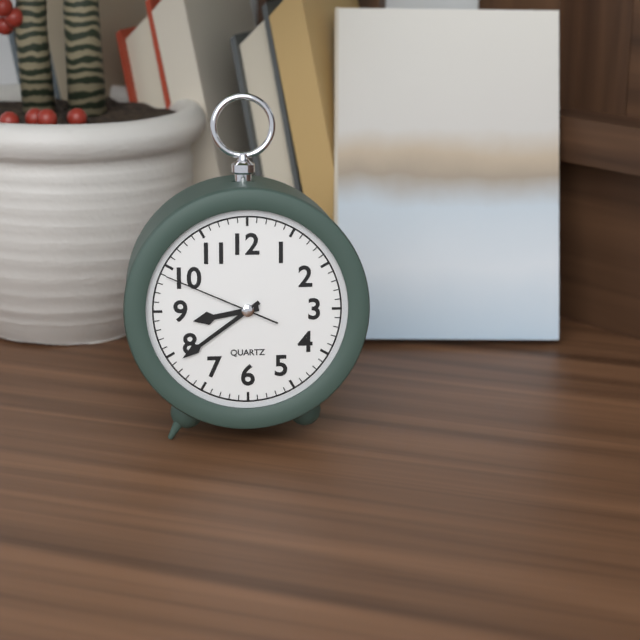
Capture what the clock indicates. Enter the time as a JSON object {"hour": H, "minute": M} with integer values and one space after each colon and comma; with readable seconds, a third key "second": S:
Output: {"hour": 8, "minute": 39, "second": 49}
